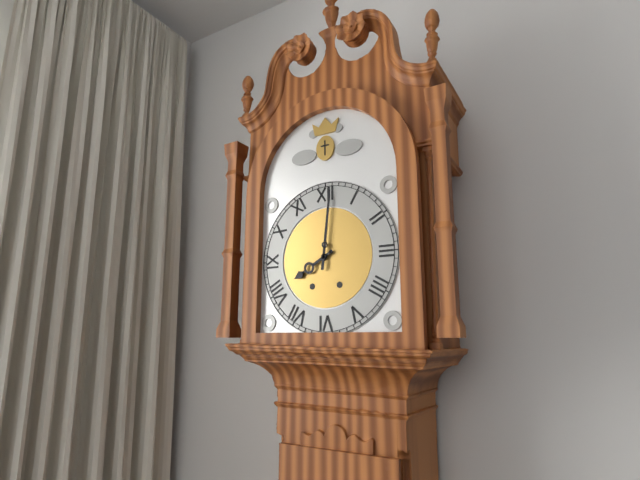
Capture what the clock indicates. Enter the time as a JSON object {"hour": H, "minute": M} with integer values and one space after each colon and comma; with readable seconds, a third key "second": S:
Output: {"hour": 8, "minute": 1}
